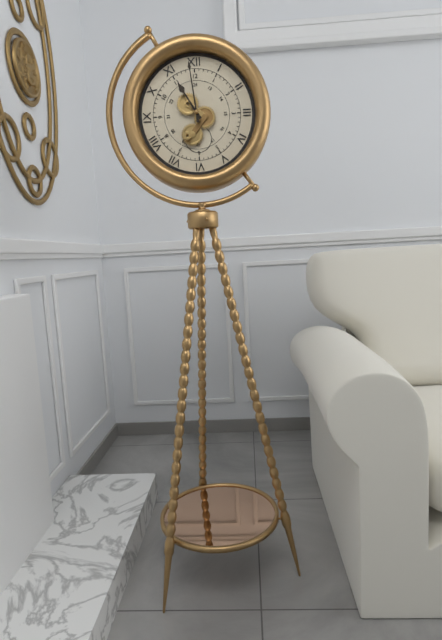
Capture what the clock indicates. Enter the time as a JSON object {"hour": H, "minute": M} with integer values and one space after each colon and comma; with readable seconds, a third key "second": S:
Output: {"hour": 10, "minute": 59}
